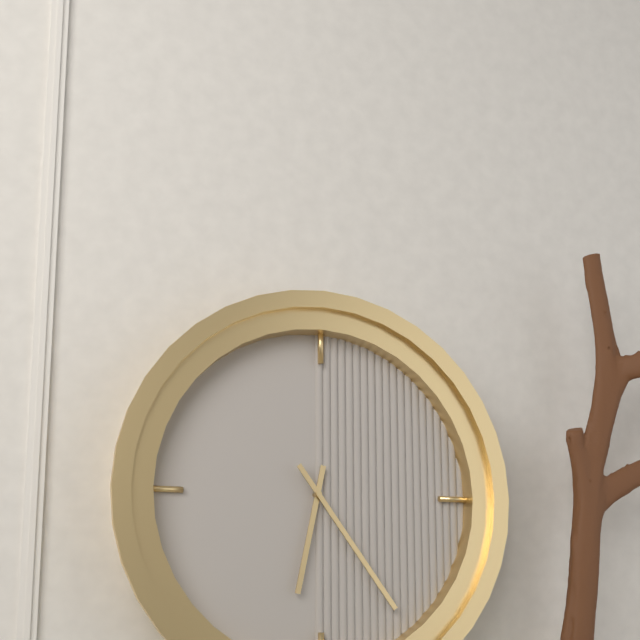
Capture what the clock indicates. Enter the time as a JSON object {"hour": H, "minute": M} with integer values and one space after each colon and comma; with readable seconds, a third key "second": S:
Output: {"hour": 6, "minute": 24}
